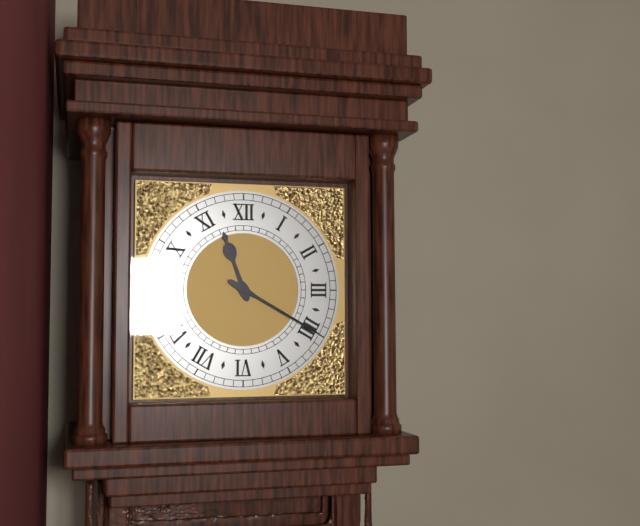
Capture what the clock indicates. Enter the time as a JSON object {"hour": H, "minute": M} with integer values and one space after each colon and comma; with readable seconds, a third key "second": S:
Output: {"hour": 11, "minute": 20}
